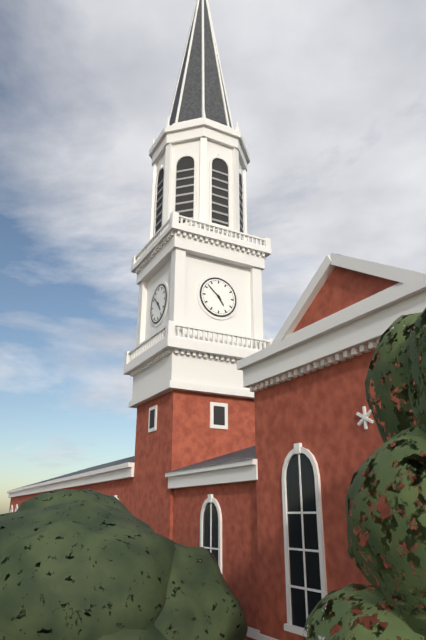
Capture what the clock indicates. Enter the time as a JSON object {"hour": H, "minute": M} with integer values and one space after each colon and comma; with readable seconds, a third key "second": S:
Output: {"hour": 4, "minute": 52}
